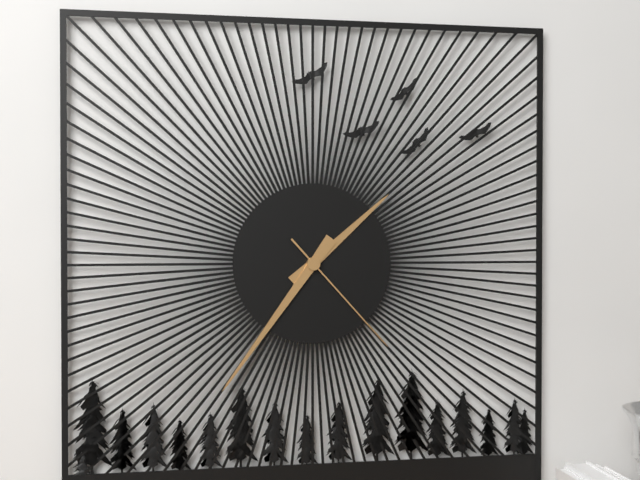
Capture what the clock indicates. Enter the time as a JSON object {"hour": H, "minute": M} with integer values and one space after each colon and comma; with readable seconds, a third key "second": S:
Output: {"hour": 1, "minute": 36, "second": 23}
